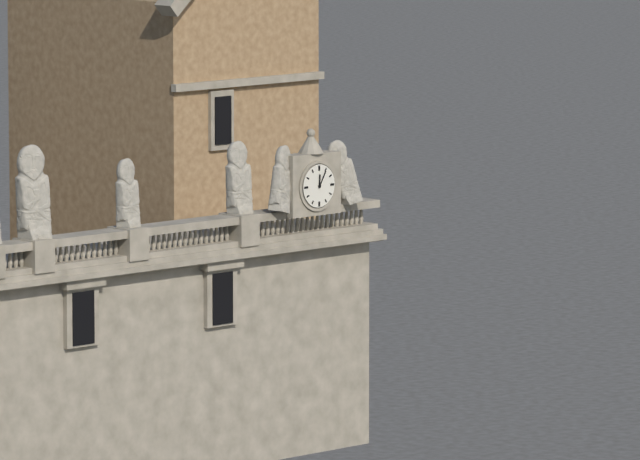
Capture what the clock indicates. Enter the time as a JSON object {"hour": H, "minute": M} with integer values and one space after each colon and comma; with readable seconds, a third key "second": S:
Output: {"hour": 12, "minute": 5}
